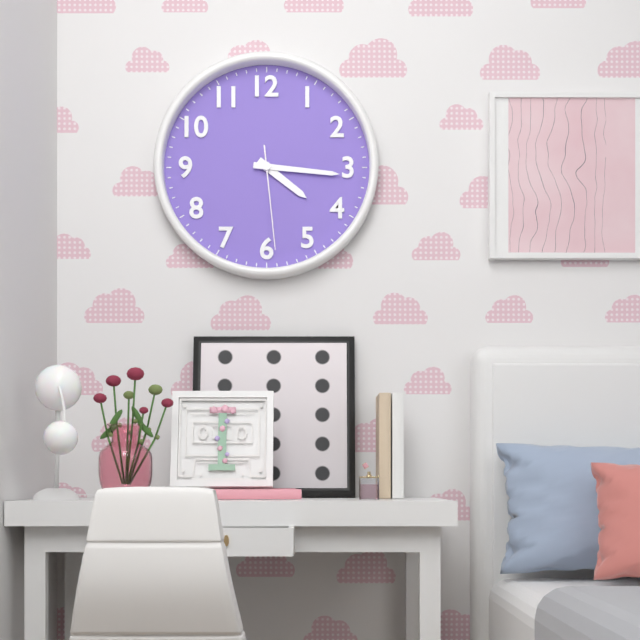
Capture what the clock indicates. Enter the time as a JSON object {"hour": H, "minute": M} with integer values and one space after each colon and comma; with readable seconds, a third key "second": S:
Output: {"hour": 4, "minute": 16, "second": 29}
